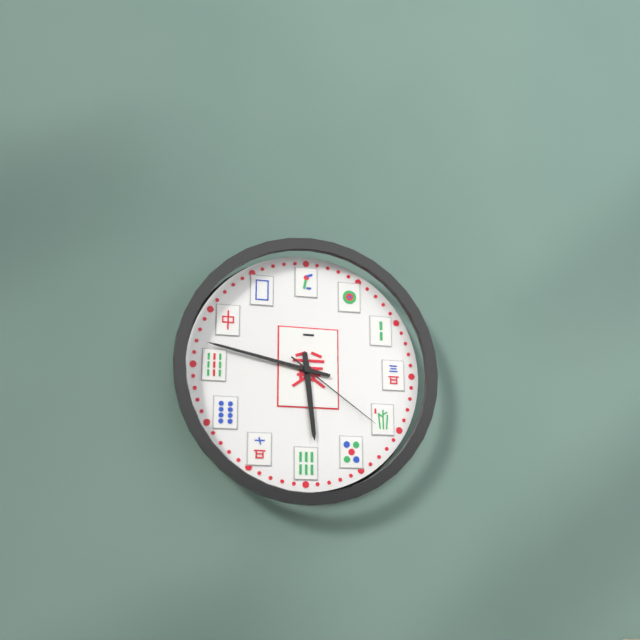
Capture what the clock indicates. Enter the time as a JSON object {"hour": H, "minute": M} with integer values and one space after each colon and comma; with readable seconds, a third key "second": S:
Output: {"hour": 5, "minute": 47, "second": 21}
